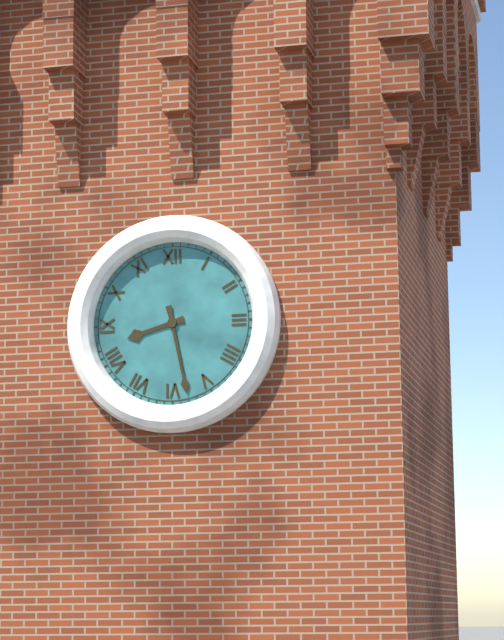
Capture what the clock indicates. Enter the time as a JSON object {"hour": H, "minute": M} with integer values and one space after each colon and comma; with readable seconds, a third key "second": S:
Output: {"hour": 8, "minute": 28}
